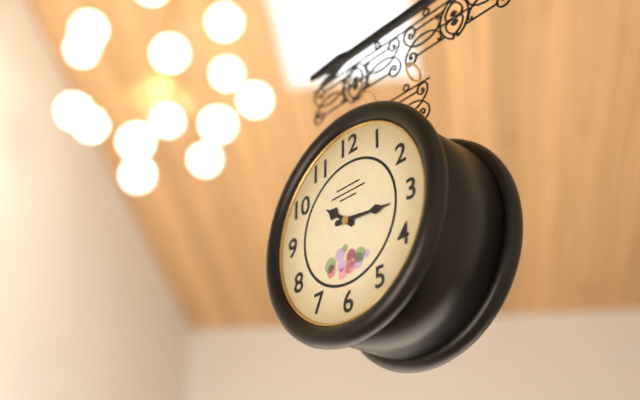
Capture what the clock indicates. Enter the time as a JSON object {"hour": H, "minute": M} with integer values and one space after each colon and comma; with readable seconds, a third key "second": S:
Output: {"hour": 10, "minute": 16}
